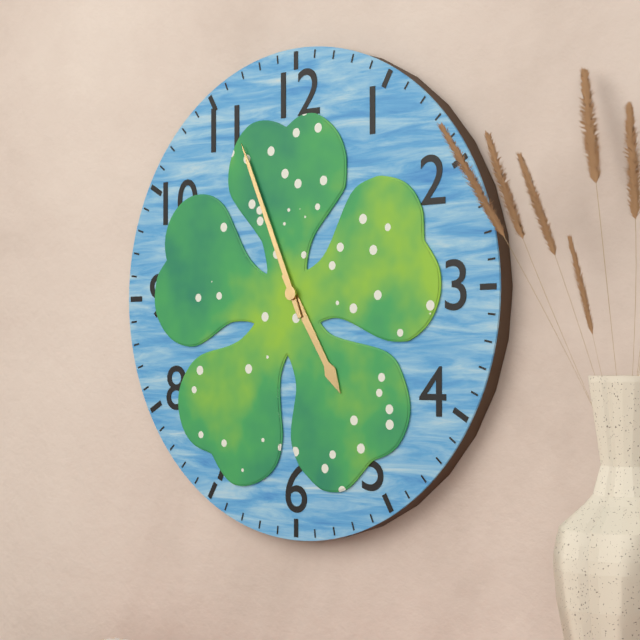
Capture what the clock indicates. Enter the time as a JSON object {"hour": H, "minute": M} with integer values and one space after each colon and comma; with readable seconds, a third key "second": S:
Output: {"hour": 4, "minute": 56}
